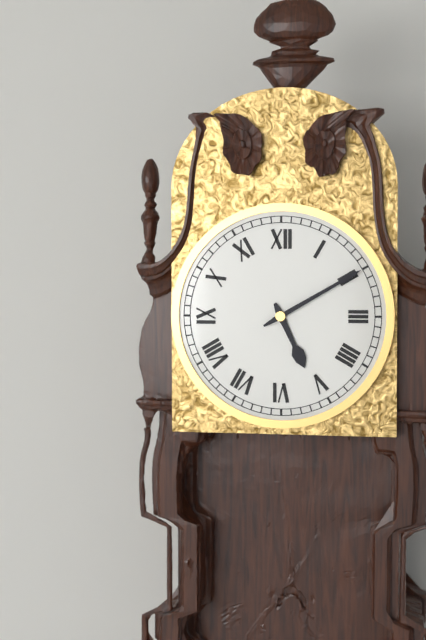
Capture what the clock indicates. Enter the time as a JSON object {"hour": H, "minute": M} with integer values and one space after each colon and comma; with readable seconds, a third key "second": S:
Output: {"hour": 5, "minute": 10}
